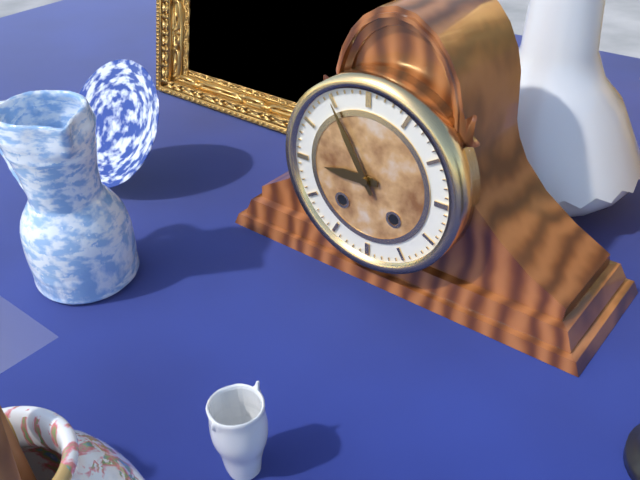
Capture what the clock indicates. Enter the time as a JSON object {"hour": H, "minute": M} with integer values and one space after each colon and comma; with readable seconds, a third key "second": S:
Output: {"hour": 8, "minute": 55}
